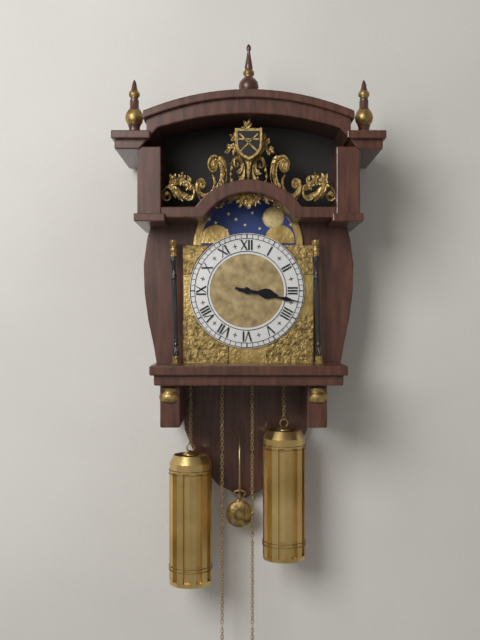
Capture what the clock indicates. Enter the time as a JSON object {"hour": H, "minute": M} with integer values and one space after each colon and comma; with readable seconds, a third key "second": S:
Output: {"hour": 3, "minute": 17}
